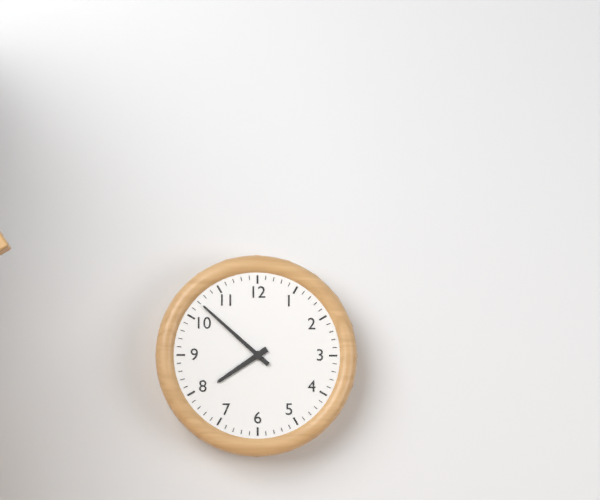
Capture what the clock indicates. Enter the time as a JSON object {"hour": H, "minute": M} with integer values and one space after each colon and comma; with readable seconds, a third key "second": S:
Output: {"hour": 7, "minute": 52}
